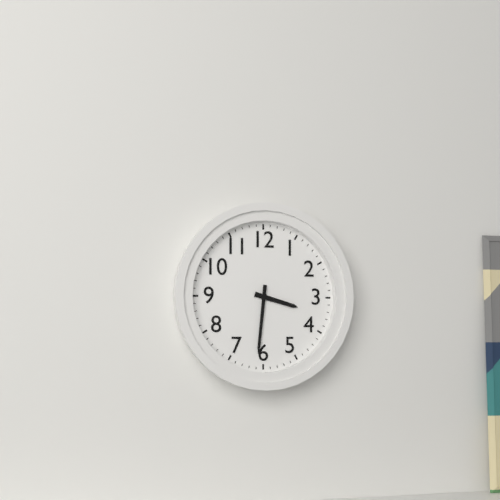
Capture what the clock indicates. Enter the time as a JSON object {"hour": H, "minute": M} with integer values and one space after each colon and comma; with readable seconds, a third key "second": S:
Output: {"hour": 3, "minute": 31}
